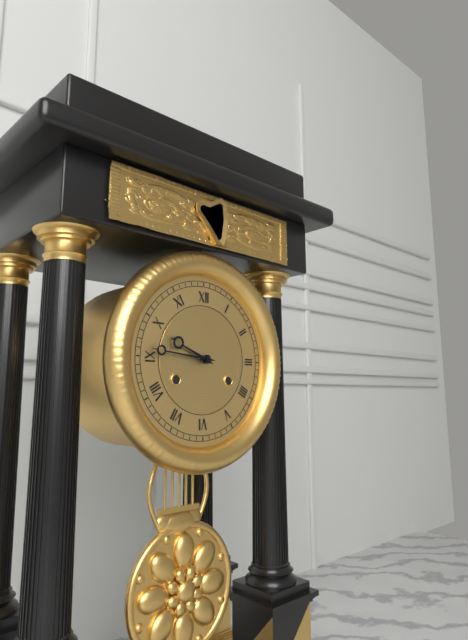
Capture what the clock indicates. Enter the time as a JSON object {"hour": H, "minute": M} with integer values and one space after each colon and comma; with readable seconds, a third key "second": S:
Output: {"hour": 9, "minute": 46}
